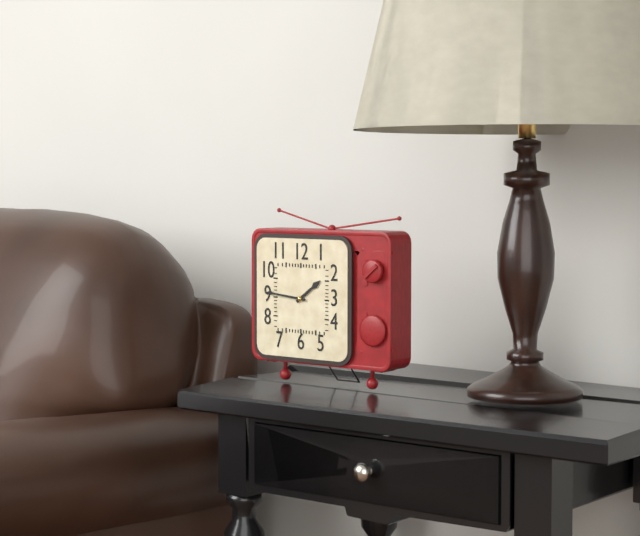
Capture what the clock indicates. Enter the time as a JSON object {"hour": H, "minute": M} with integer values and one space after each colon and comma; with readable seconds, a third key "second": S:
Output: {"hour": 1, "minute": 46}
